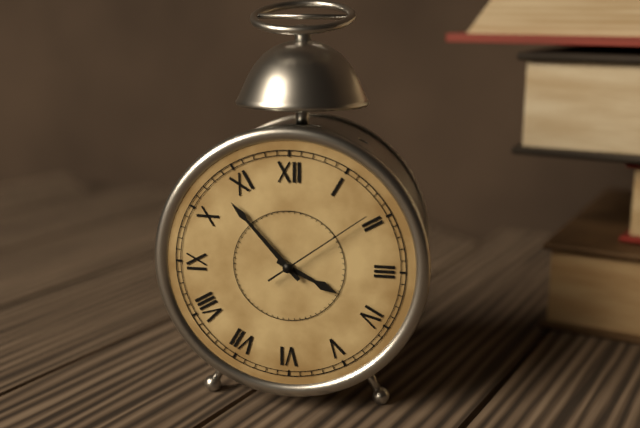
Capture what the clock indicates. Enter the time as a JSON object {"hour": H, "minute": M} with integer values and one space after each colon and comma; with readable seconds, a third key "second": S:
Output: {"hour": 3, "minute": 53, "second": 9}
